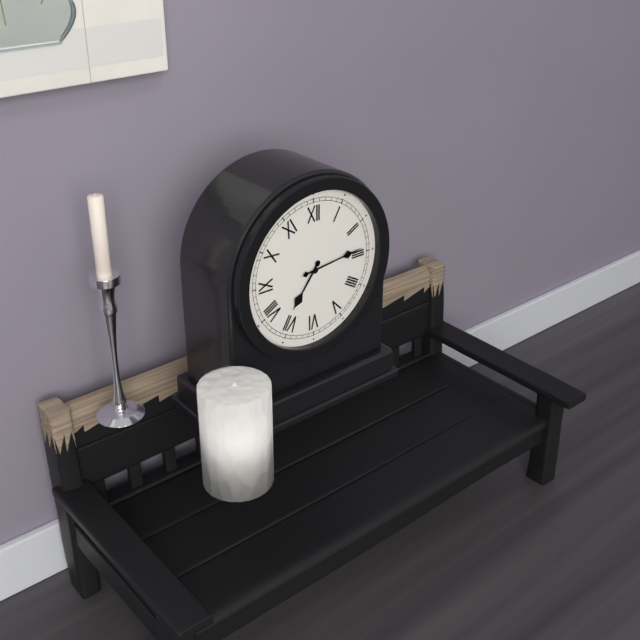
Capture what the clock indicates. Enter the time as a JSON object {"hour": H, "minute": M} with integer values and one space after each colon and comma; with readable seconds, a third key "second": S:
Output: {"hour": 7, "minute": 14}
